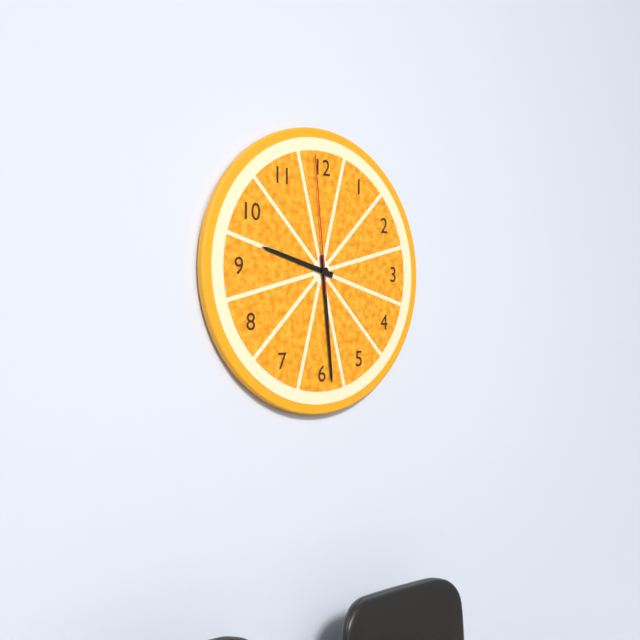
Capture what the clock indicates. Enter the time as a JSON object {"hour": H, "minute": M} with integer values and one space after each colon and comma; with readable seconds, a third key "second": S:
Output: {"hour": 9, "minute": 29, "second": 59}
